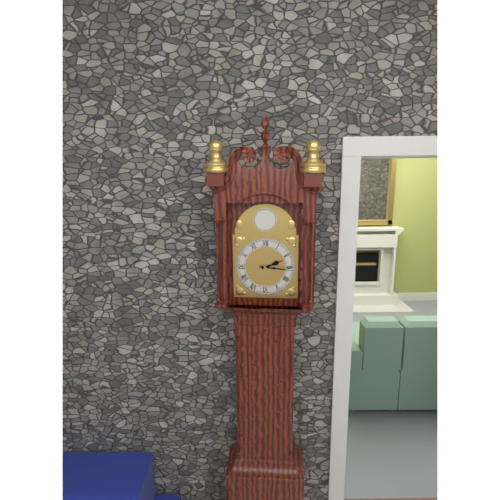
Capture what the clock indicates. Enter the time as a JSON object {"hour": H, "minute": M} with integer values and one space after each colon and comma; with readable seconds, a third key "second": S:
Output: {"hour": 2, "minute": 16}
